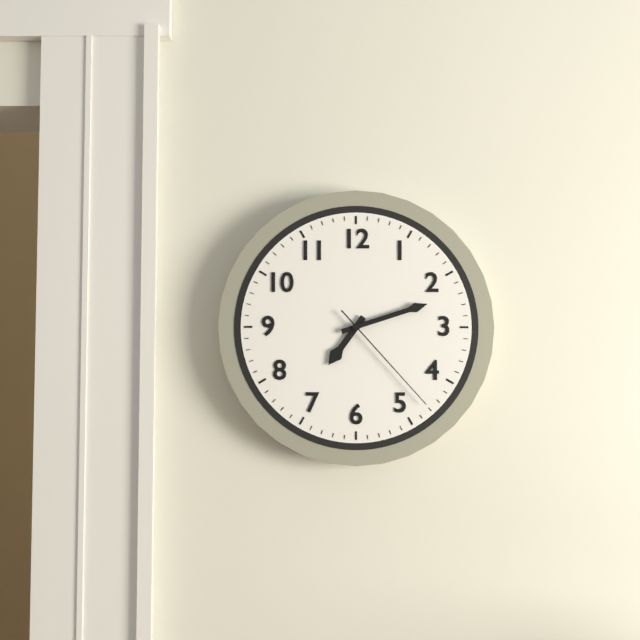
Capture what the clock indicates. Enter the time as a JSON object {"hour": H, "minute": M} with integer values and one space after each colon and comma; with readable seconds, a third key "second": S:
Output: {"hour": 7, "minute": 12, "second": 23}
